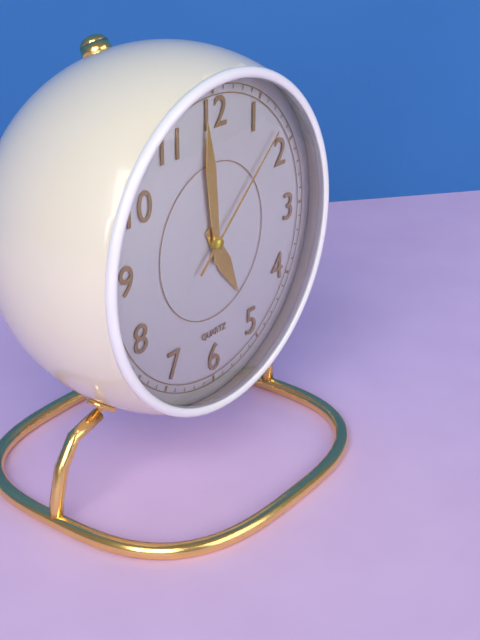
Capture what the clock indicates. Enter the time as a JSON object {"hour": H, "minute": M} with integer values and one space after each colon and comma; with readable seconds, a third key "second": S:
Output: {"hour": 4, "minute": 59, "second": 8}
